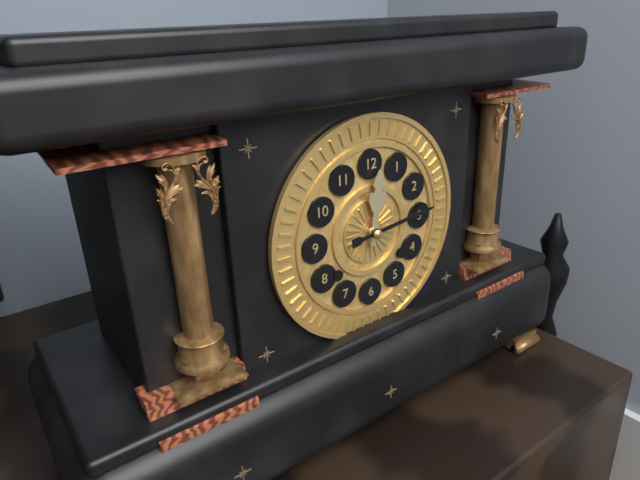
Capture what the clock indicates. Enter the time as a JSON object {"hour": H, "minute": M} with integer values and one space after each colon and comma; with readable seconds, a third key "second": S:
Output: {"hour": 12, "minute": 14}
